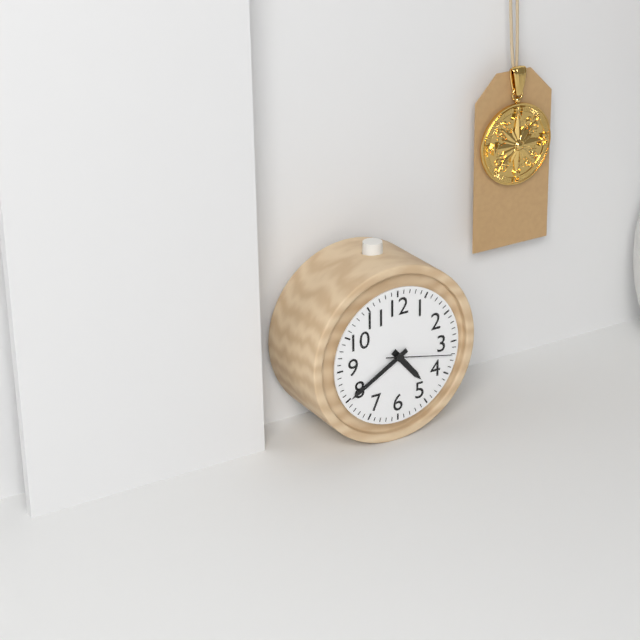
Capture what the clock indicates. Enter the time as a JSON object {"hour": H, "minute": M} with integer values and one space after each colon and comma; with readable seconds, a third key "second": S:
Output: {"hour": 4, "minute": 40, "second": 17}
